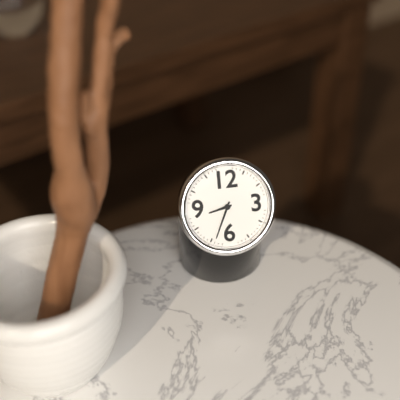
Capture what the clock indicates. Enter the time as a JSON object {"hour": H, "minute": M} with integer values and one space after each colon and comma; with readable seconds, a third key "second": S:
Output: {"hour": 8, "minute": 34}
